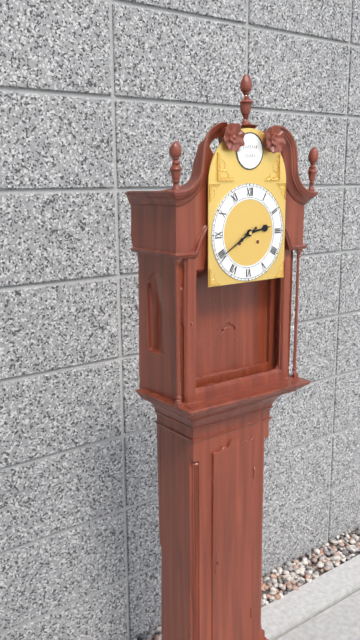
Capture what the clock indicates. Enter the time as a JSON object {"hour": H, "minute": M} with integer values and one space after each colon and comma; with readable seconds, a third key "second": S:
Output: {"hour": 2, "minute": 40}
